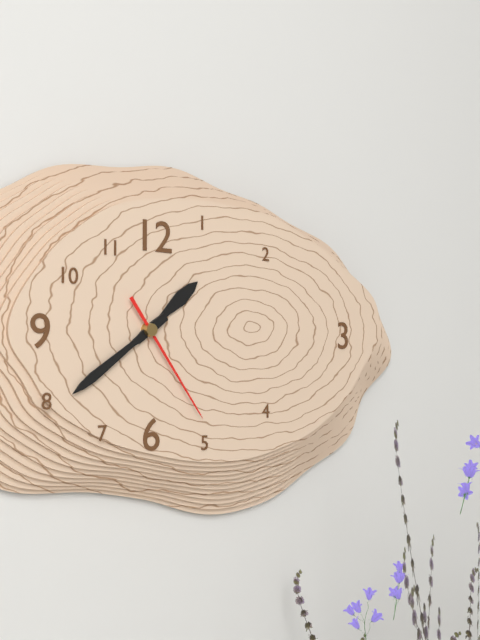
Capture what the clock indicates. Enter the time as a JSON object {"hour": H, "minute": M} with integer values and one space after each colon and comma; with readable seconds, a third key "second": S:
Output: {"hour": 1, "minute": 39, "second": 24}
